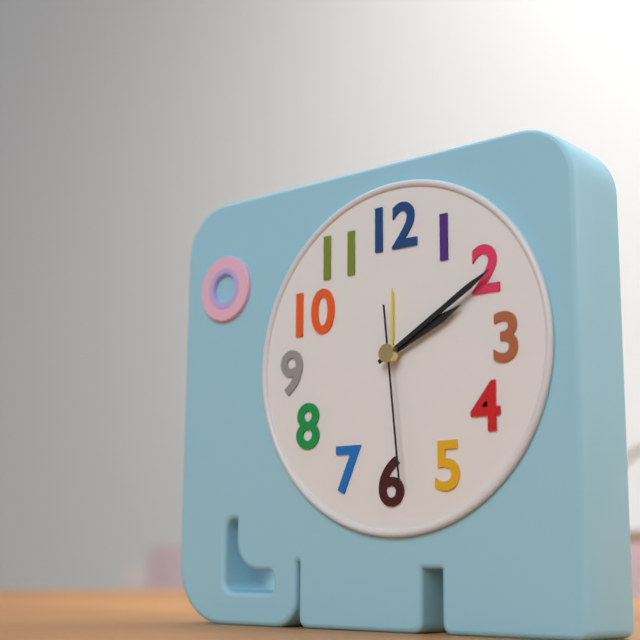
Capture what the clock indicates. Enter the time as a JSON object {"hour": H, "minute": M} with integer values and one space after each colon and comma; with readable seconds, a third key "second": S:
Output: {"hour": 2, "minute": 10, "second": 29}
